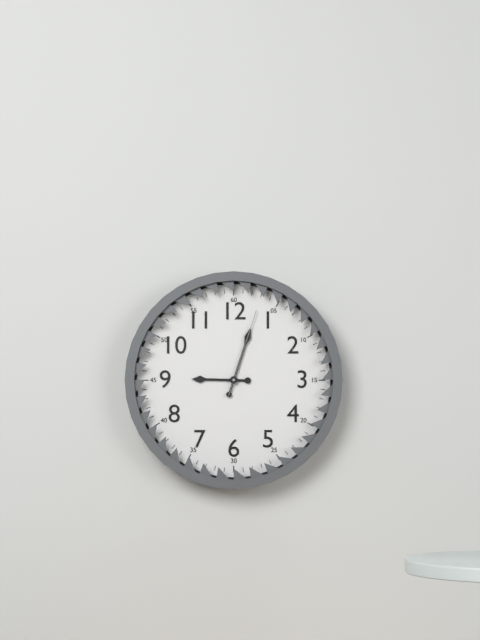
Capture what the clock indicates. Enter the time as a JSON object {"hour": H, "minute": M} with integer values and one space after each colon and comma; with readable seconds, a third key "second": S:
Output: {"hour": 9, "minute": 3, "second": 3}
